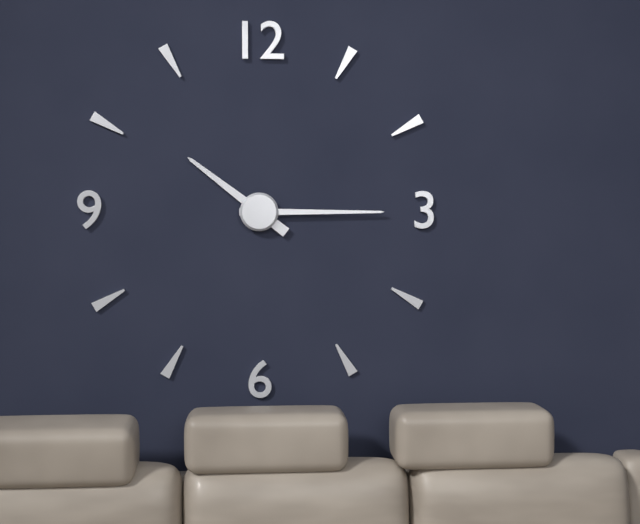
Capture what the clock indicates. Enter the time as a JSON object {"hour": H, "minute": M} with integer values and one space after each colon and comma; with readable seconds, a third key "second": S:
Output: {"hour": 10, "minute": 15}
